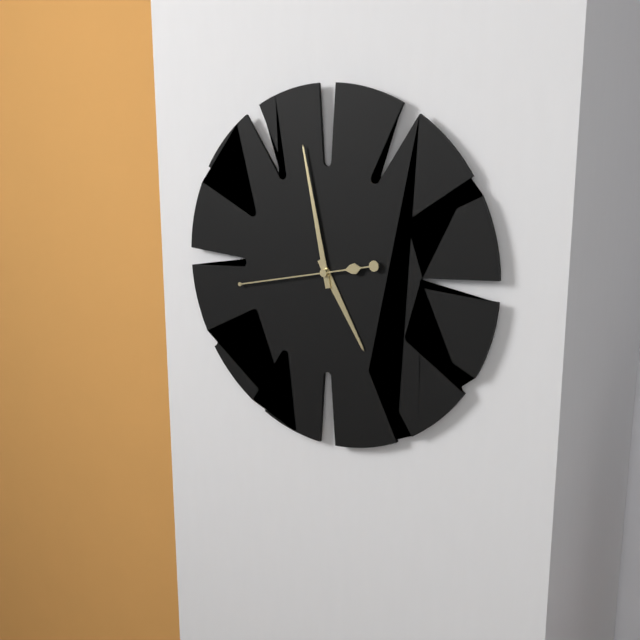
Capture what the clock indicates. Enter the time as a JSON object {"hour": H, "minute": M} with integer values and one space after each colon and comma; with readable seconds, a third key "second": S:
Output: {"hour": 4, "minute": 58, "second": 43}
